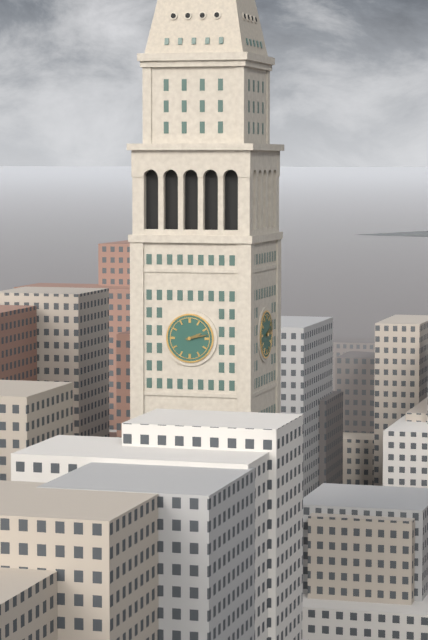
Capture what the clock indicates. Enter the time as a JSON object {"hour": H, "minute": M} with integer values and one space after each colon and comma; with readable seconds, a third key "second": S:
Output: {"hour": 2, "minute": 13}
